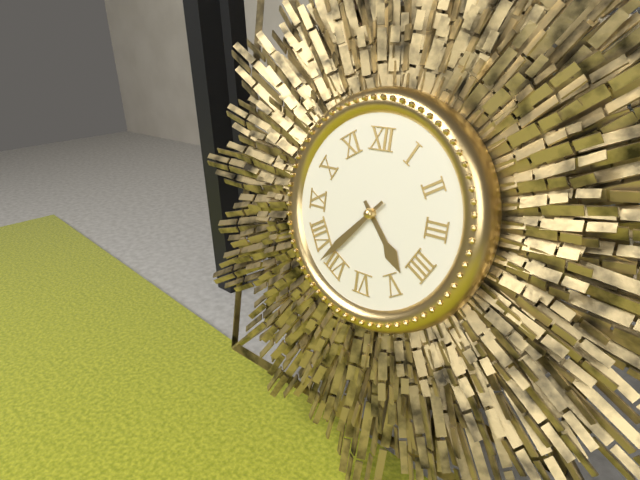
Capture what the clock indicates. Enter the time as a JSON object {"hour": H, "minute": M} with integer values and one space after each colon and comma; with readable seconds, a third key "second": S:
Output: {"hour": 4, "minute": 37}
